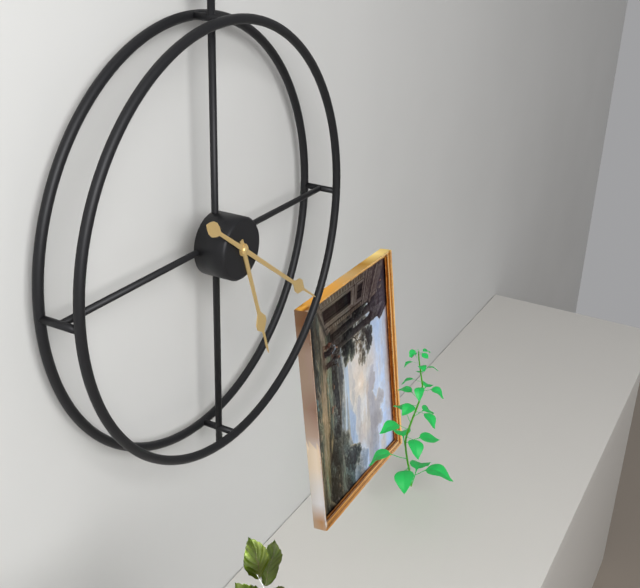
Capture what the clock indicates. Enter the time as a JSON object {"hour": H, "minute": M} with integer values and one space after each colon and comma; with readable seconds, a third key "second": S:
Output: {"hour": 5, "minute": 21}
